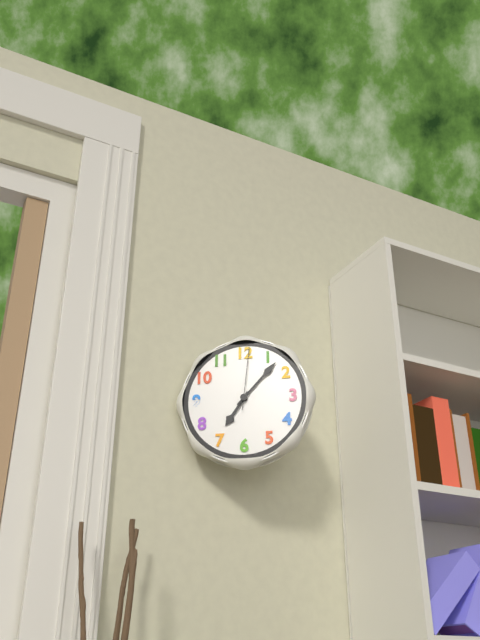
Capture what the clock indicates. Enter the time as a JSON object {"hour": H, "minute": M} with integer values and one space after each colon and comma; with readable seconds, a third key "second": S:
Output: {"hour": 7, "minute": 7, "second": 1}
